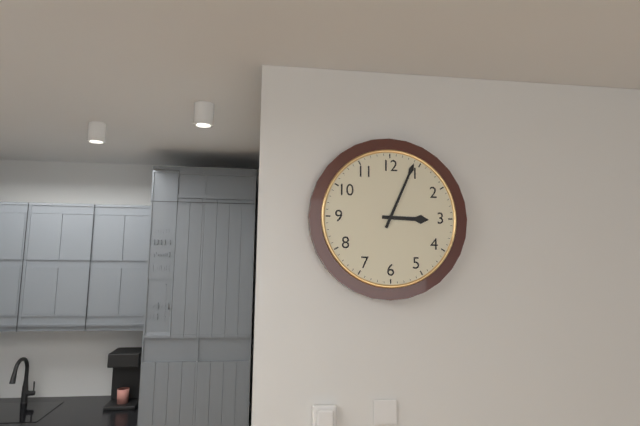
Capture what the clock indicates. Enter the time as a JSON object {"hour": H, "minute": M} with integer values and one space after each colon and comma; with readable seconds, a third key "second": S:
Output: {"hour": 3, "minute": 4}
